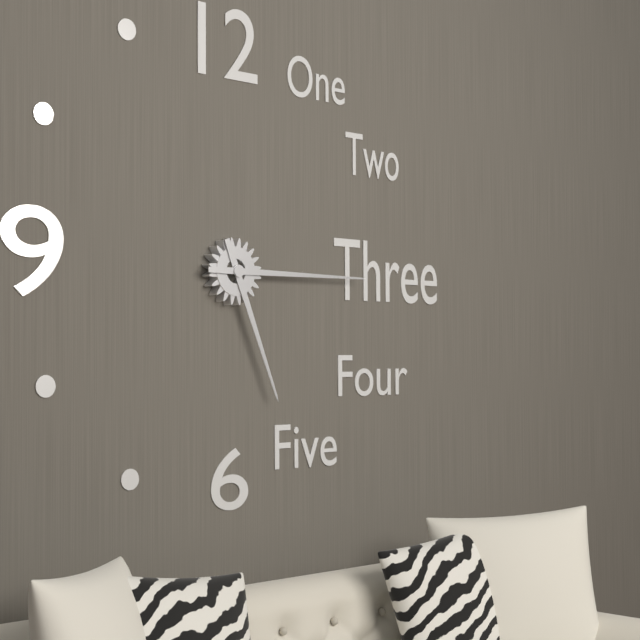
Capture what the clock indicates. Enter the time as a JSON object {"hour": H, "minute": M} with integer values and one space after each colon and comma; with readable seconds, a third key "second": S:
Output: {"hour": 5, "minute": 15}
